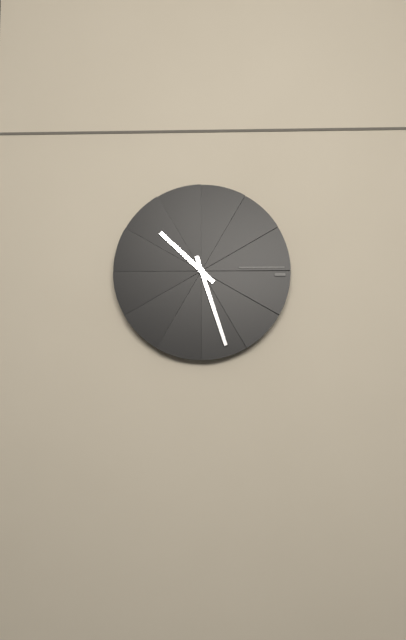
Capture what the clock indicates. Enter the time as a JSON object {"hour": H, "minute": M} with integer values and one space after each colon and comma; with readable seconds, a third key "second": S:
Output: {"hour": 10, "minute": 27}
